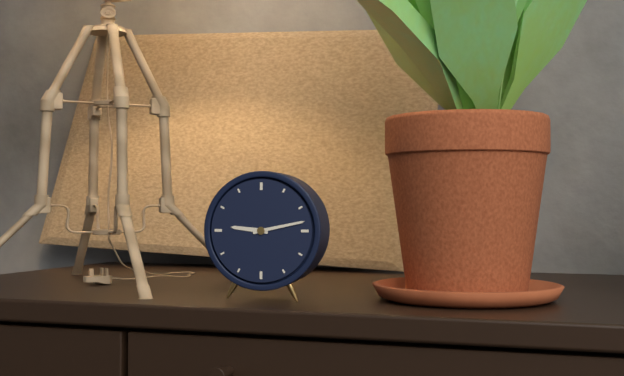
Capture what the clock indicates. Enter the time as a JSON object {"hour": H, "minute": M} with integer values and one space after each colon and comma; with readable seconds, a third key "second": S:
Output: {"hour": 9, "minute": 13}
